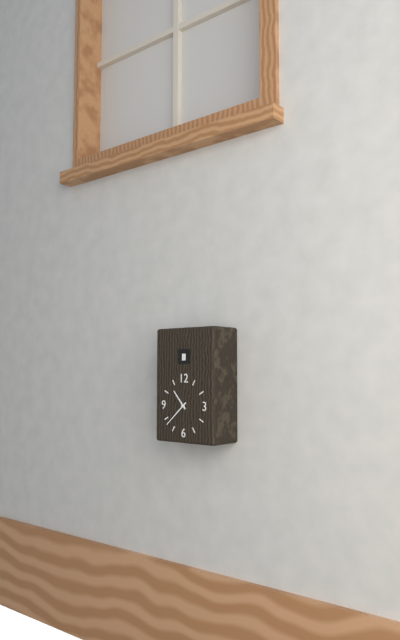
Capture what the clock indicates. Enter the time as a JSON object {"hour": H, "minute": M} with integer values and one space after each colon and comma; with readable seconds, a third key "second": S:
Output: {"hour": 10, "minute": 38}
